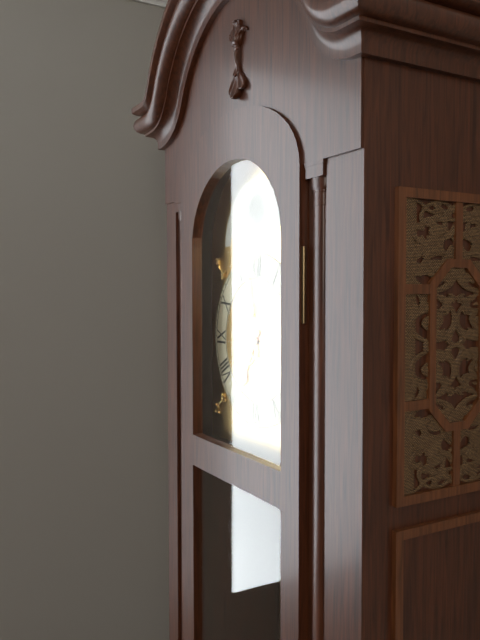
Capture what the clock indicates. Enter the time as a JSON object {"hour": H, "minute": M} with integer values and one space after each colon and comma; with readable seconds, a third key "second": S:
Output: {"hour": 6, "minute": 58}
